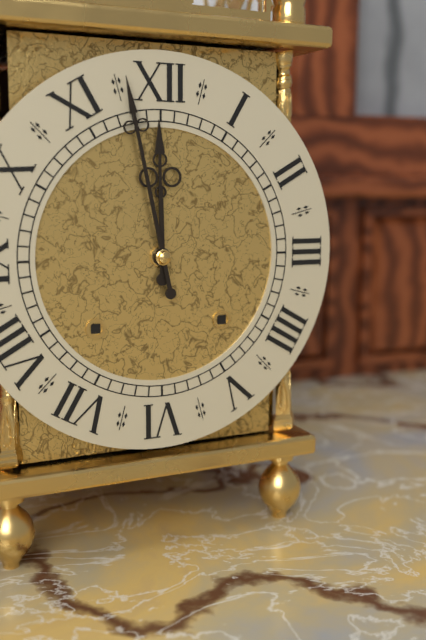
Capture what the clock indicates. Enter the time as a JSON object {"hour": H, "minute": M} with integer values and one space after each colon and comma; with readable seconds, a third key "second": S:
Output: {"hour": 11, "minute": 58}
